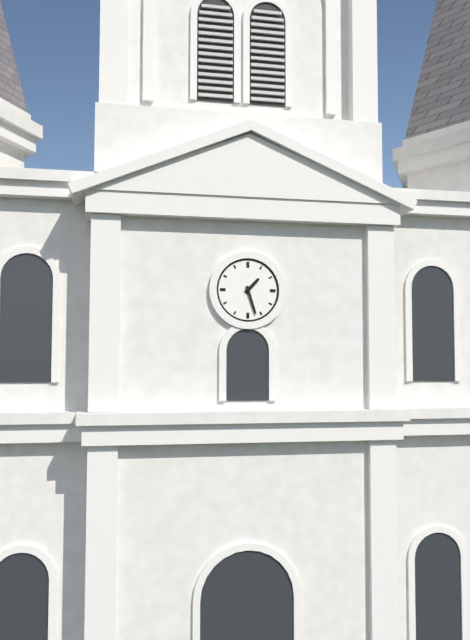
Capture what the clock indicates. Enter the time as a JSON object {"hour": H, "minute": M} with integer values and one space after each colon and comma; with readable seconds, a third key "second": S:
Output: {"hour": 1, "minute": 27}
